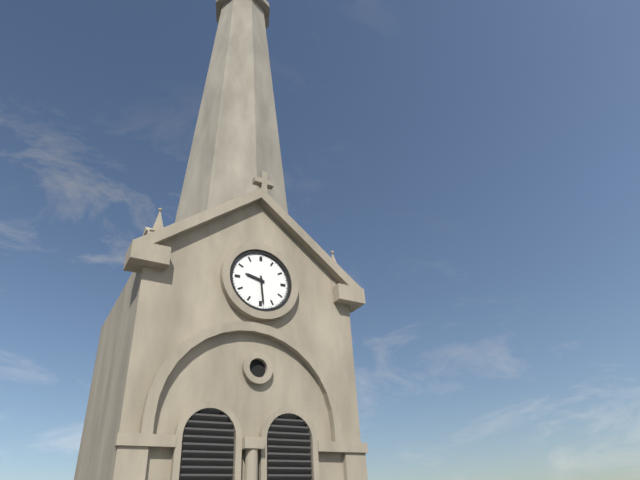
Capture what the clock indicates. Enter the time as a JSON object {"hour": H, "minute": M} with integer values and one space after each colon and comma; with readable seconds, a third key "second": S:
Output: {"hour": 9, "minute": 29}
